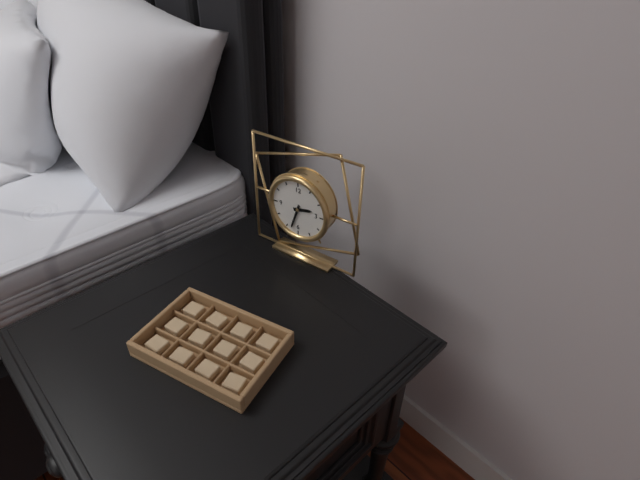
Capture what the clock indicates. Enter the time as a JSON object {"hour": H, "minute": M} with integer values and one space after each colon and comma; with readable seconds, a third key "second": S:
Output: {"hour": 2, "minute": 33}
